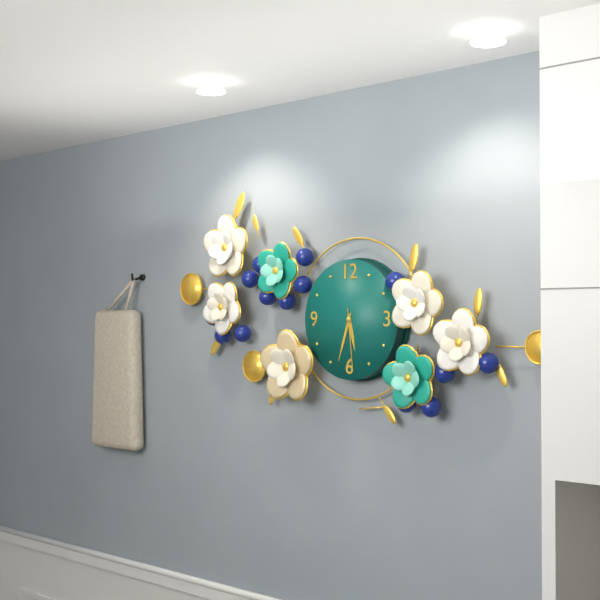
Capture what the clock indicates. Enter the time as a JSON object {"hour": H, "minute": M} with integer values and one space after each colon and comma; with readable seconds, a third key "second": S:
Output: {"hour": 5, "minute": 33, "second": 29}
